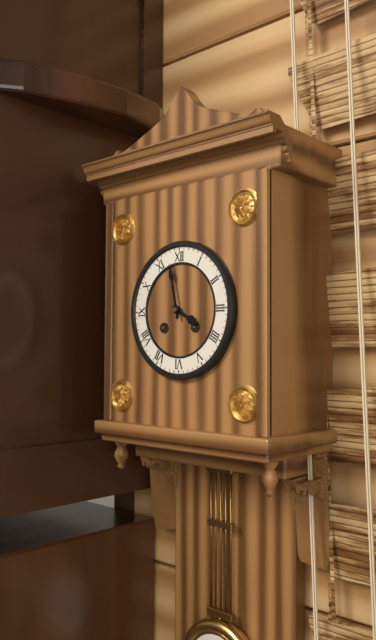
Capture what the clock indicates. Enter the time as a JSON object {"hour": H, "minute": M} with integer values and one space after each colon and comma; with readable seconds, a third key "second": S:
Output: {"hour": 3, "minute": 58}
